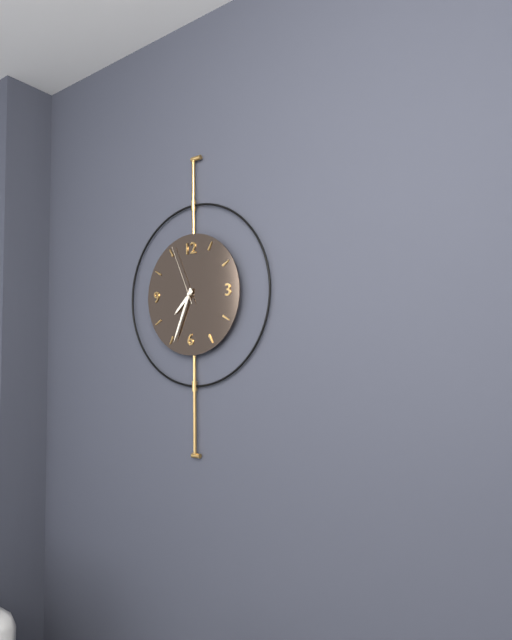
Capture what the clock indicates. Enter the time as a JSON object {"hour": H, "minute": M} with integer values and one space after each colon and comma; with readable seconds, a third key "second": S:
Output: {"hour": 7, "minute": 34, "second": 56}
